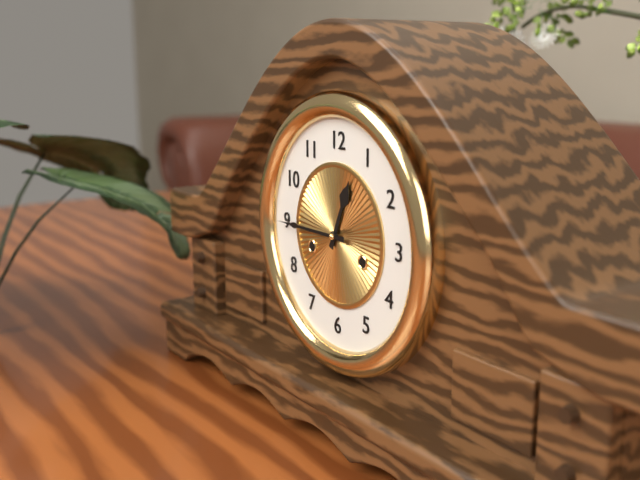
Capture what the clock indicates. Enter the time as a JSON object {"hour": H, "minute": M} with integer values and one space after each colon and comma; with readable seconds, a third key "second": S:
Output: {"hour": 12, "minute": 45}
